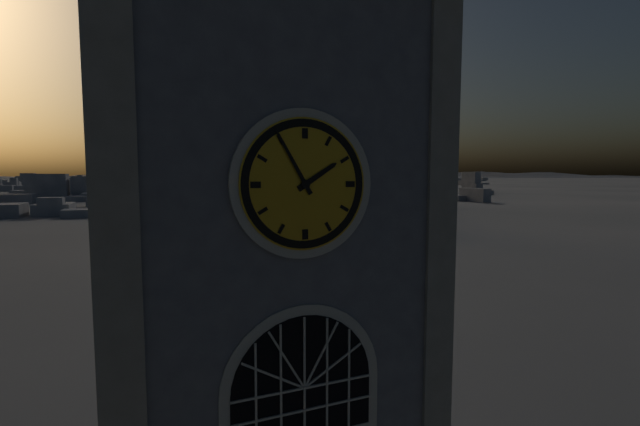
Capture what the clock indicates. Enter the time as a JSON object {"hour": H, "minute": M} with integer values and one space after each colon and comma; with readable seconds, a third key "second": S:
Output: {"hour": 1, "minute": 55}
